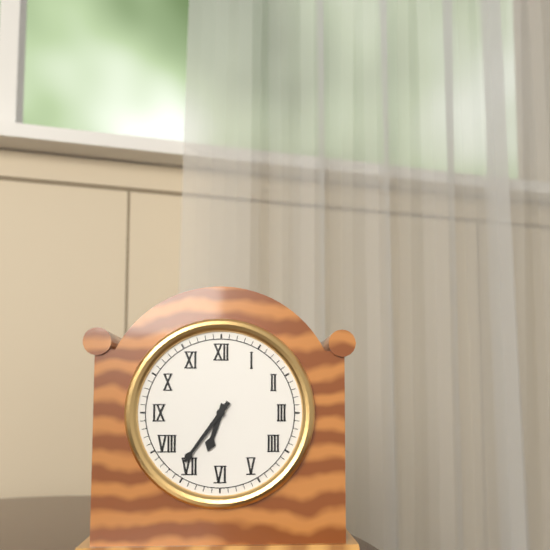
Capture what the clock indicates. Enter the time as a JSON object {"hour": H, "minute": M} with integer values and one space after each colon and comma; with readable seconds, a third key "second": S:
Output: {"hour": 6, "minute": 36}
